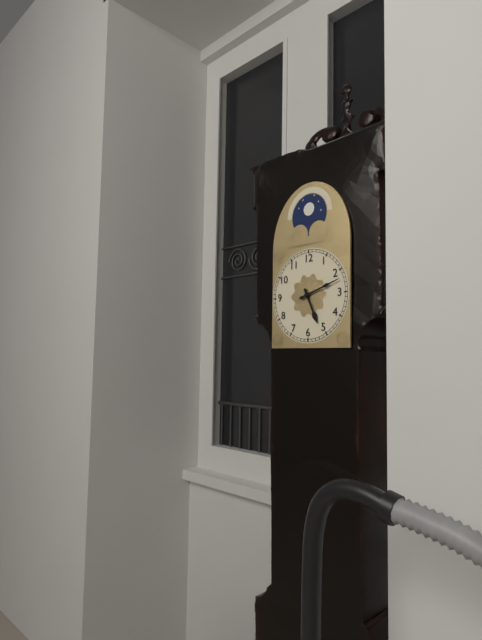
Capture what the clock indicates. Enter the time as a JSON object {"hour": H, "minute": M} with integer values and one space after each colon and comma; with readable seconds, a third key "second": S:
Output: {"hour": 5, "minute": 12}
